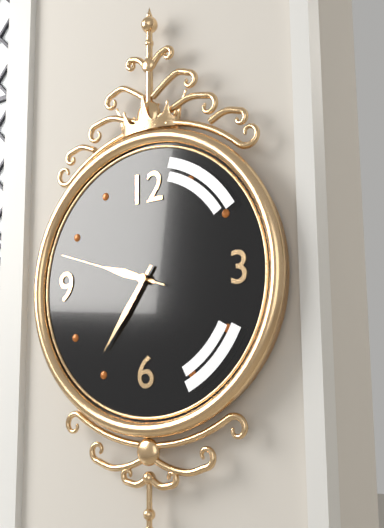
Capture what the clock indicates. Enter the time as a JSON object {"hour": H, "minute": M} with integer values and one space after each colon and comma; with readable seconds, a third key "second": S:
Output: {"hour": 9, "minute": 36, "second": 48}
